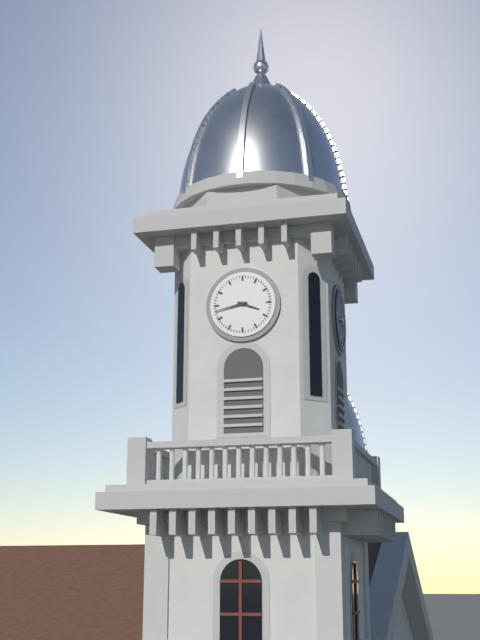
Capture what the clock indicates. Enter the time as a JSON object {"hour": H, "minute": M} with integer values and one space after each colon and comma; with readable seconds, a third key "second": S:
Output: {"hour": 3, "minute": 43}
